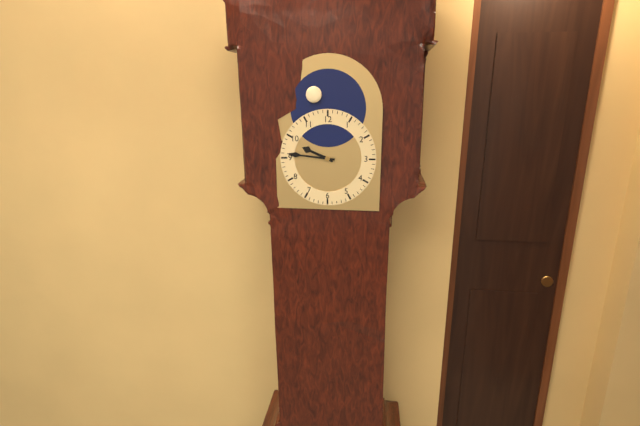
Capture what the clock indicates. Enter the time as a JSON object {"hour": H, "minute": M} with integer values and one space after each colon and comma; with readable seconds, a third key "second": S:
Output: {"hour": 9, "minute": 46}
